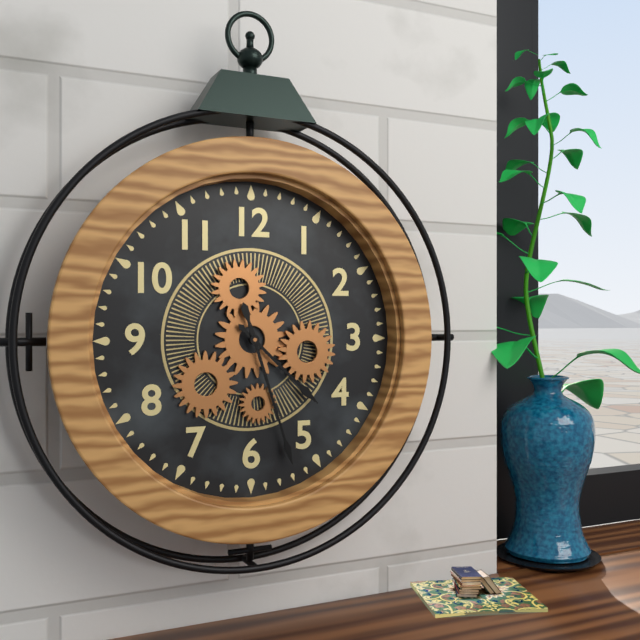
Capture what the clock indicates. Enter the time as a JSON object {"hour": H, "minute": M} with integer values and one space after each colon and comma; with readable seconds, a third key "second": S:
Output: {"hour": 4, "minute": 27}
